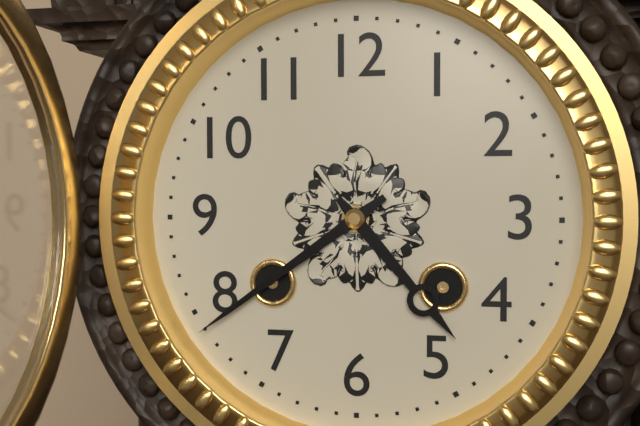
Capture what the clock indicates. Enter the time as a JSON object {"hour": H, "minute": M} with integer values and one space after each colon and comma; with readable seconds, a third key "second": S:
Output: {"hour": 4, "minute": 39}
